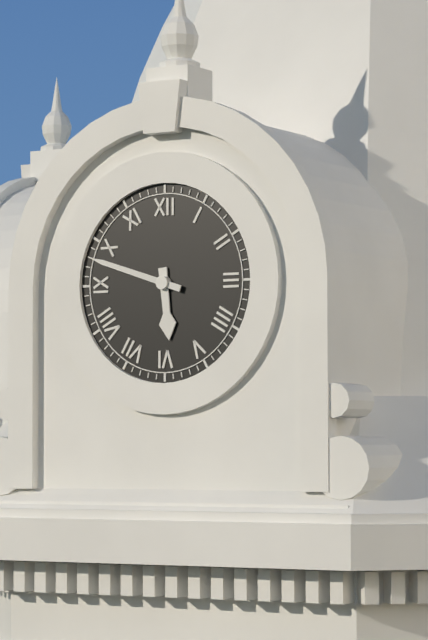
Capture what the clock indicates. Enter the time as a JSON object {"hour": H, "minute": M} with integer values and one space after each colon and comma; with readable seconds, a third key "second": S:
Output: {"hour": 5, "minute": 48}
